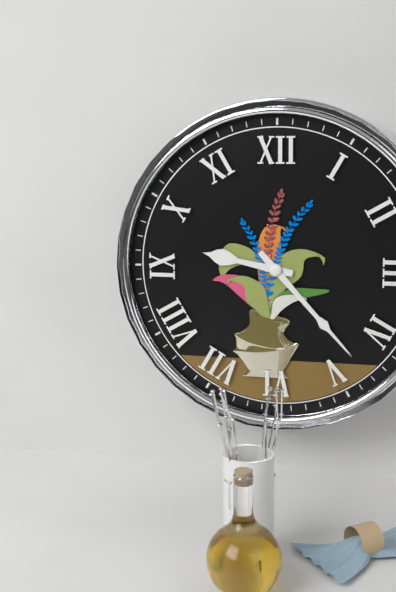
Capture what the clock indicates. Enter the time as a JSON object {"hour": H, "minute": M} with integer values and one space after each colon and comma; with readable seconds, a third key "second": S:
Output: {"hour": 9, "minute": 23}
